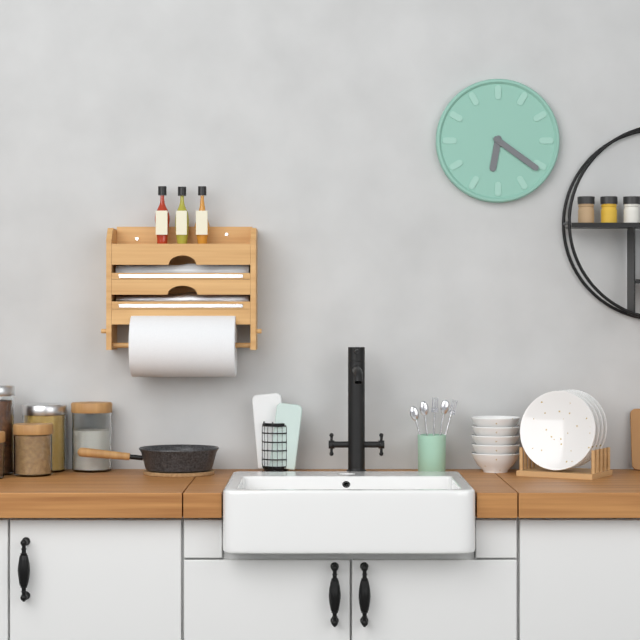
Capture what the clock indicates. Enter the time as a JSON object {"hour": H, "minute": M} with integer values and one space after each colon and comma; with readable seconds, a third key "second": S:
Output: {"hour": 6, "minute": 21}
